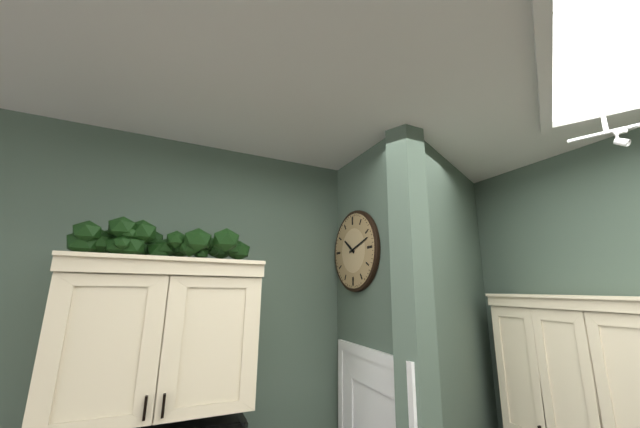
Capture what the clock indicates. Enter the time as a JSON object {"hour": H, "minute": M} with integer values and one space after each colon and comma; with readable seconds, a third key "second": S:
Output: {"hour": 10, "minute": 12}
